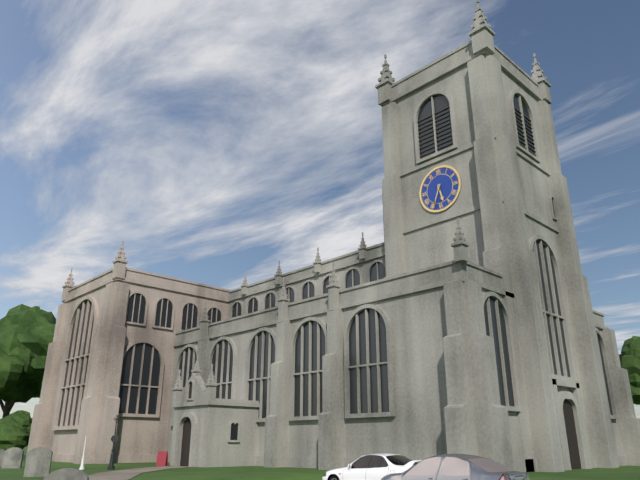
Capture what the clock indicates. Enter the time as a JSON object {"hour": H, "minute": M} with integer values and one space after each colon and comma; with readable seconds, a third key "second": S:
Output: {"hour": 5, "minute": 34}
